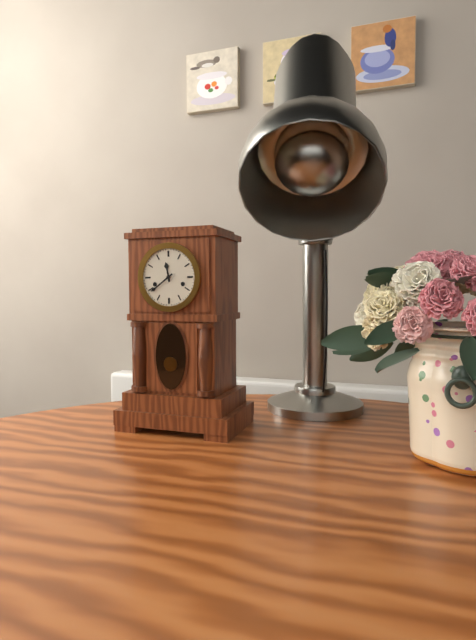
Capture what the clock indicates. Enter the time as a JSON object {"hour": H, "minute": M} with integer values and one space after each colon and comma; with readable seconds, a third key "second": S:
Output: {"hour": 11, "minute": 39}
